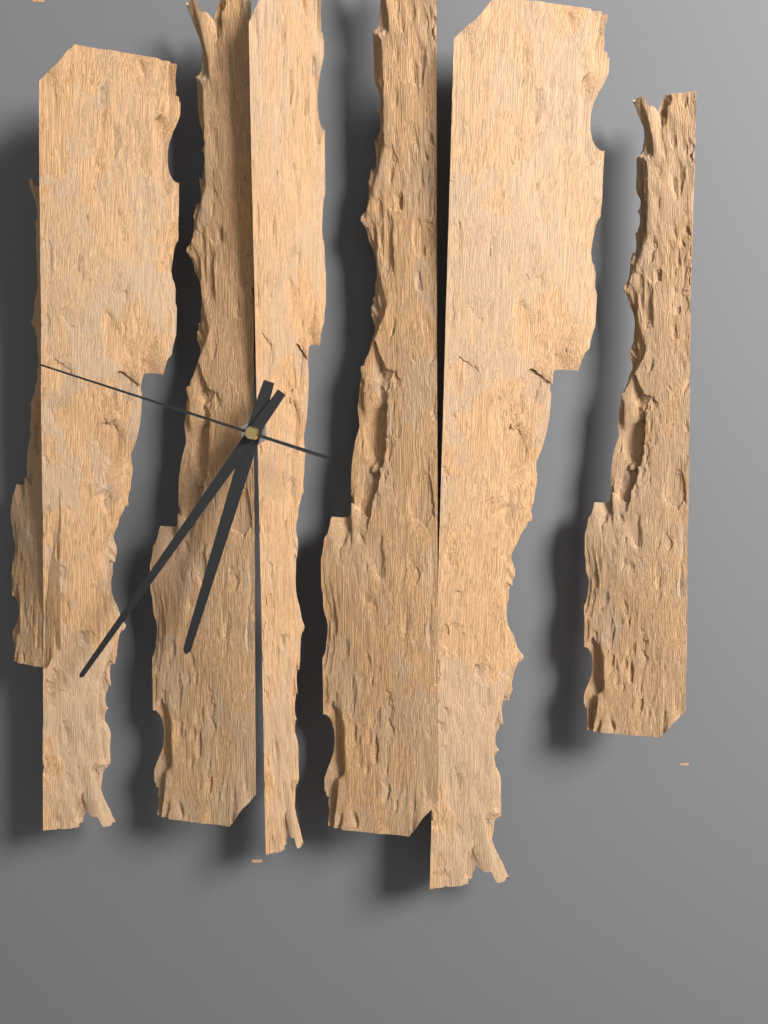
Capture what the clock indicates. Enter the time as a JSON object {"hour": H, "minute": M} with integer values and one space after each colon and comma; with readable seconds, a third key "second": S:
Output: {"hour": 6, "minute": 36, "second": 48}
